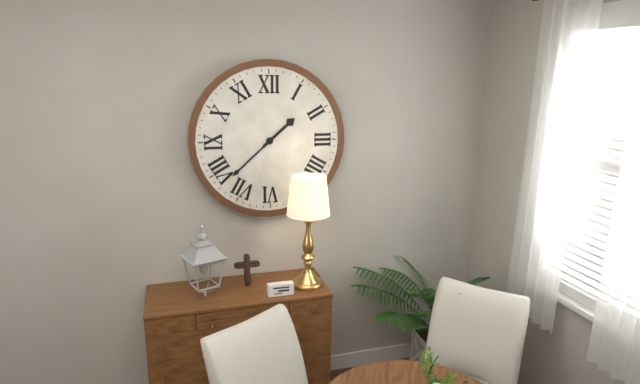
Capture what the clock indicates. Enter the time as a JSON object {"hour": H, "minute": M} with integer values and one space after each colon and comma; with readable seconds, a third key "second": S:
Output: {"hour": 1, "minute": 38}
